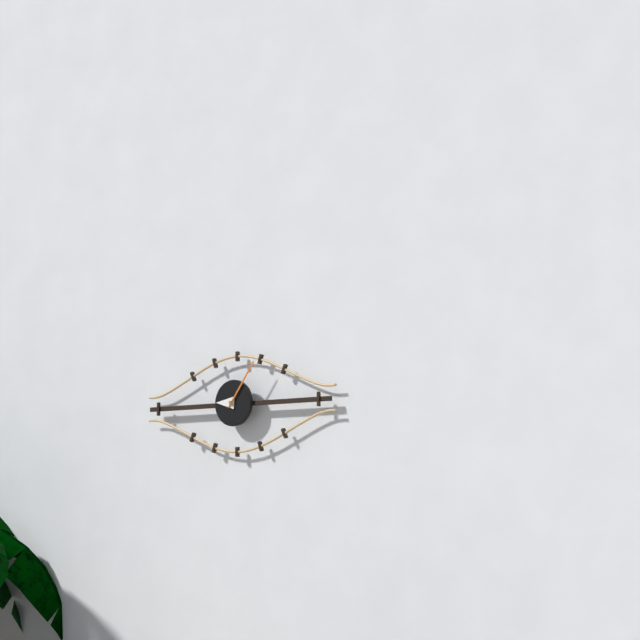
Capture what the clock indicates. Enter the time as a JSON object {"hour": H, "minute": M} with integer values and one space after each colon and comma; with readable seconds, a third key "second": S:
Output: {"hour": 9, "minute": 6}
